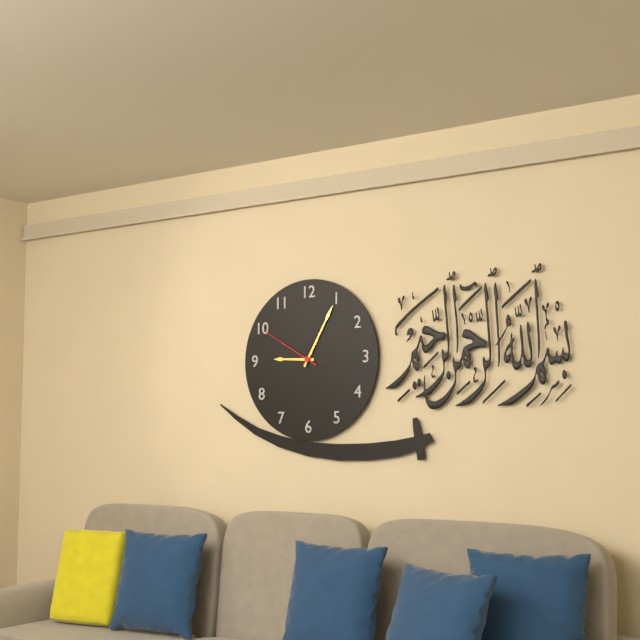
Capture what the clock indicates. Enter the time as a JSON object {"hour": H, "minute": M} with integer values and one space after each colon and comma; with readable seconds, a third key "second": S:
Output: {"hour": 9, "minute": 5, "second": 50}
